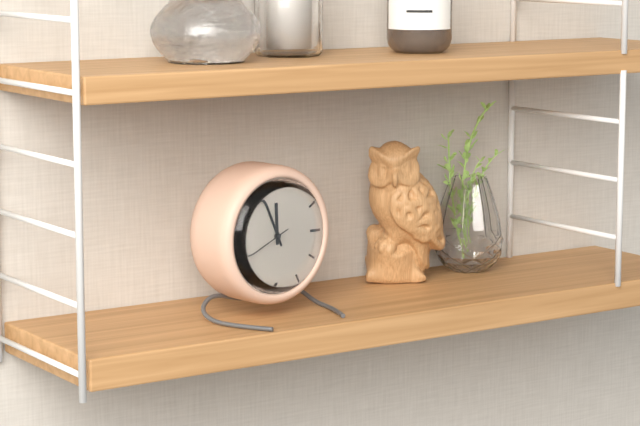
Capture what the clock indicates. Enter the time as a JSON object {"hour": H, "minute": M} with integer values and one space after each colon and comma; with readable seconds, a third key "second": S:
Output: {"hour": 11, "minute": 56}
